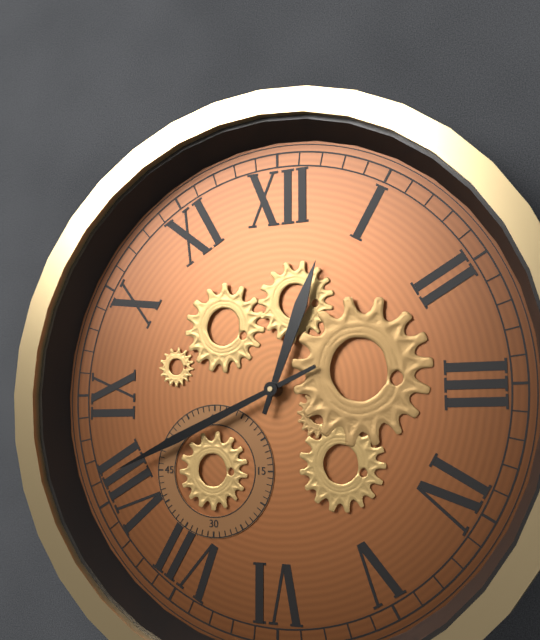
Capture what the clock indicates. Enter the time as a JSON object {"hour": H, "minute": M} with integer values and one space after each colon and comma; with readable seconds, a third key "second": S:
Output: {"hour": 12, "minute": 41}
